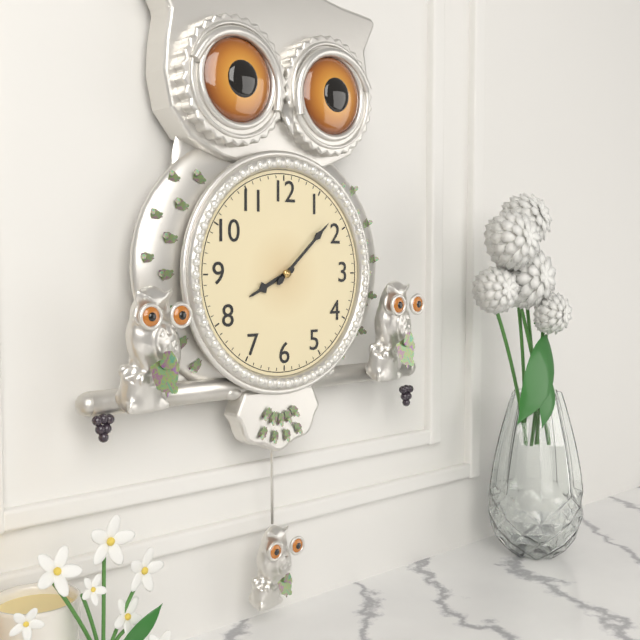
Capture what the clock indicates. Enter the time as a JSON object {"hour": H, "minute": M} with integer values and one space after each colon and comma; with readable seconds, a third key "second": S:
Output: {"hour": 8, "minute": 8}
